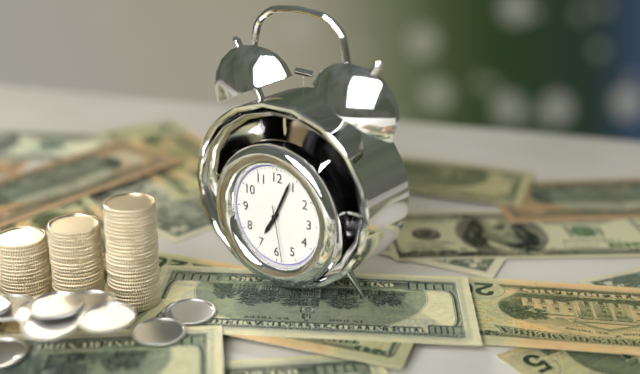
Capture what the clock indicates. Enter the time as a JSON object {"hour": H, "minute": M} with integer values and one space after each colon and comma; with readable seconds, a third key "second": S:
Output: {"hour": 7, "minute": 4, "second": 28}
